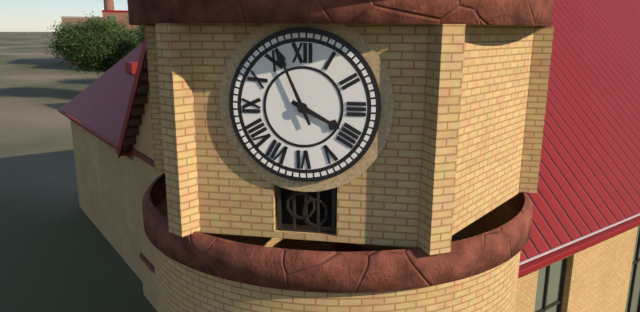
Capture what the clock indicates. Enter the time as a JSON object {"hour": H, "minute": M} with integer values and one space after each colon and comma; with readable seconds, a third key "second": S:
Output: {"hour": 3, "minute": 56}
